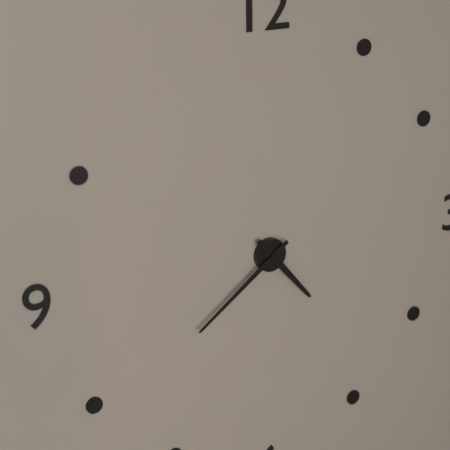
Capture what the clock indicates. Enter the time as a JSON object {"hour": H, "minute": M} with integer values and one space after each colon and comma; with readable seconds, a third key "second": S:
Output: {"hour": 4, "minute": 39}
